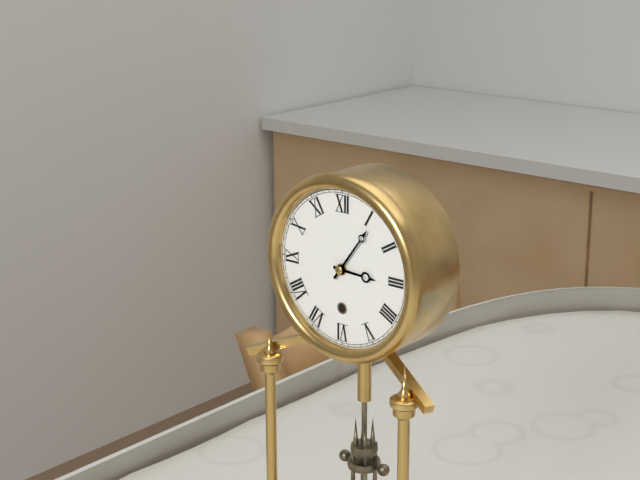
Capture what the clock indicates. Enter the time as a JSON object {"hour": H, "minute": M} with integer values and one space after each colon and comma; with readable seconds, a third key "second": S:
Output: {"hour": 3, "minute": 6}
